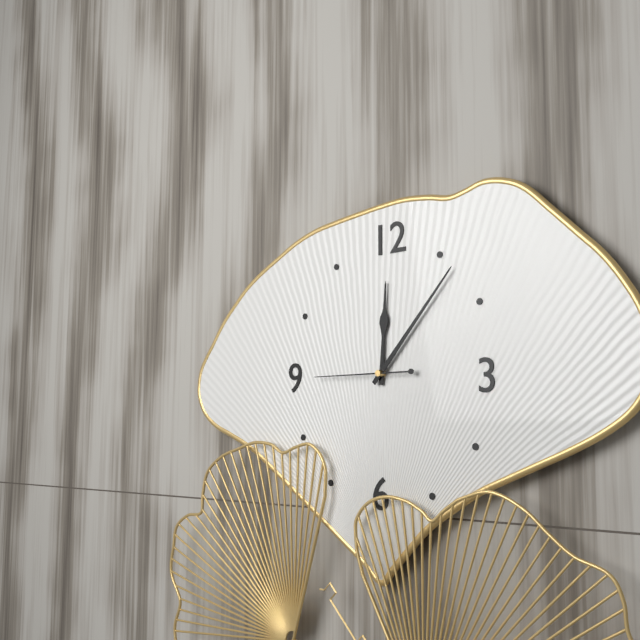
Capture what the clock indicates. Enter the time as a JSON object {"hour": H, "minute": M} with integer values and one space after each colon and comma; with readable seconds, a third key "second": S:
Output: {"hour": 12, "minute": 7, "second": 45}
